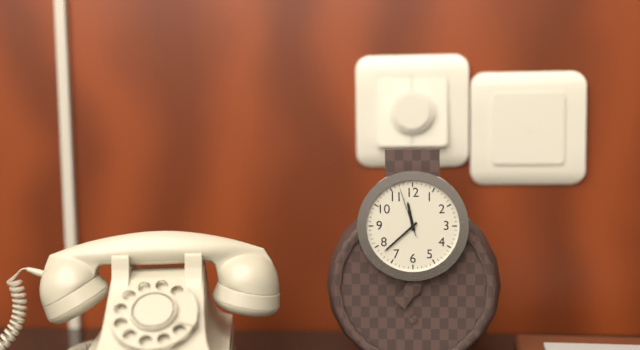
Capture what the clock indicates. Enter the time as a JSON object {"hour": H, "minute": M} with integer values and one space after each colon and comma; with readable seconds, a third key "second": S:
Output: {"hour": 11, "minute": 38, "second": 57}
